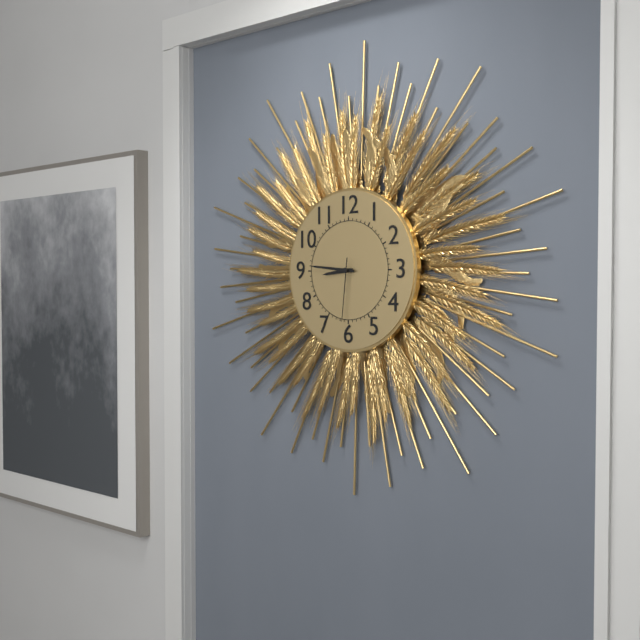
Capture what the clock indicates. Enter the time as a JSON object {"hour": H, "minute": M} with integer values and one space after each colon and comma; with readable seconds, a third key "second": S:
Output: {"hour": 8, "minute": 46, "second": 31}
